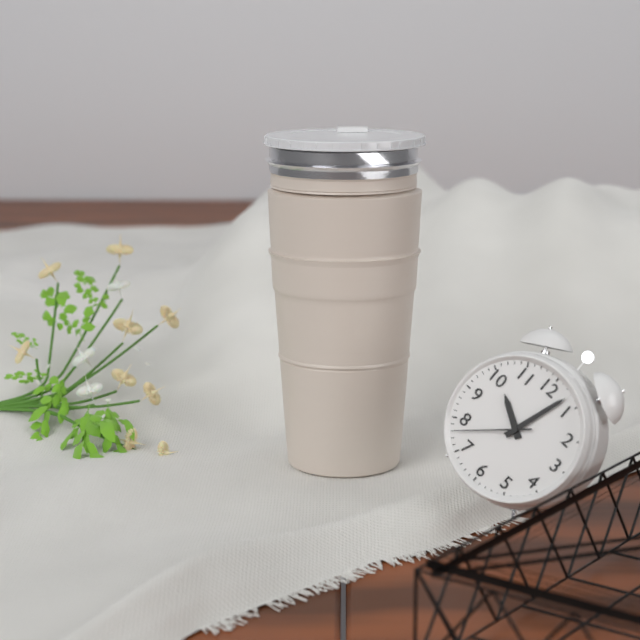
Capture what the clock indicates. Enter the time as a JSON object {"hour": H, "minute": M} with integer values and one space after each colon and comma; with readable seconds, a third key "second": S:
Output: {"hour": 10, "minute": 3, "second": 38}
